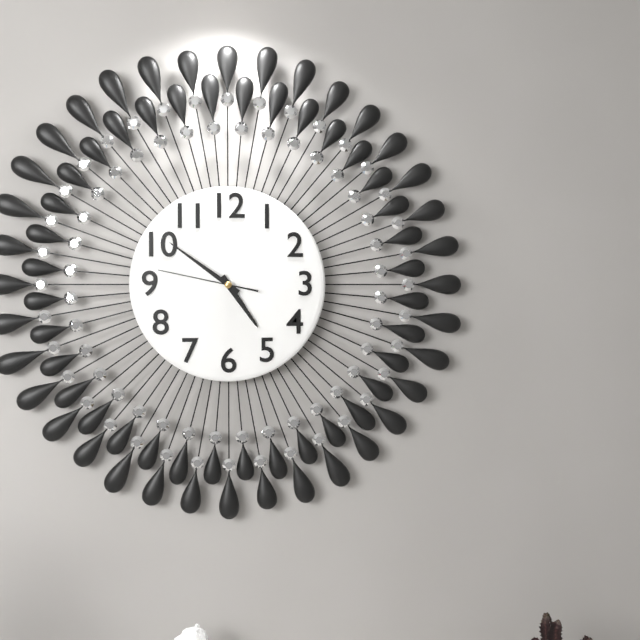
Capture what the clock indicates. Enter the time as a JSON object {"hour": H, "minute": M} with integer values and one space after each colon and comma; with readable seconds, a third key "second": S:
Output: {"hour": 4, "minute": 51, "second": 47}
